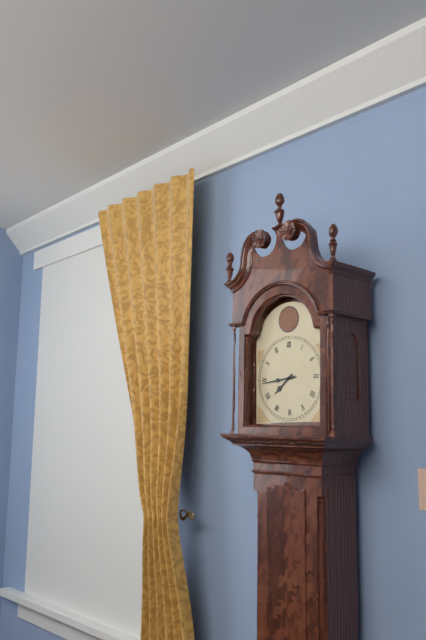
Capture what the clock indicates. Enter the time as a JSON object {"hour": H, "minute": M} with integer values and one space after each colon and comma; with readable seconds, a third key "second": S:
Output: {"hour": 7, "minute": 44}
